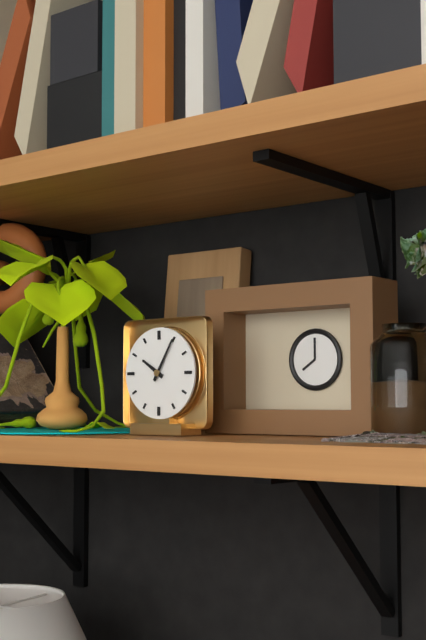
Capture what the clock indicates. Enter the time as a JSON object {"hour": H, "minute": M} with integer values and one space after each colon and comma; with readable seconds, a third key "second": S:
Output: {"hour": 10, "minute": 5}
